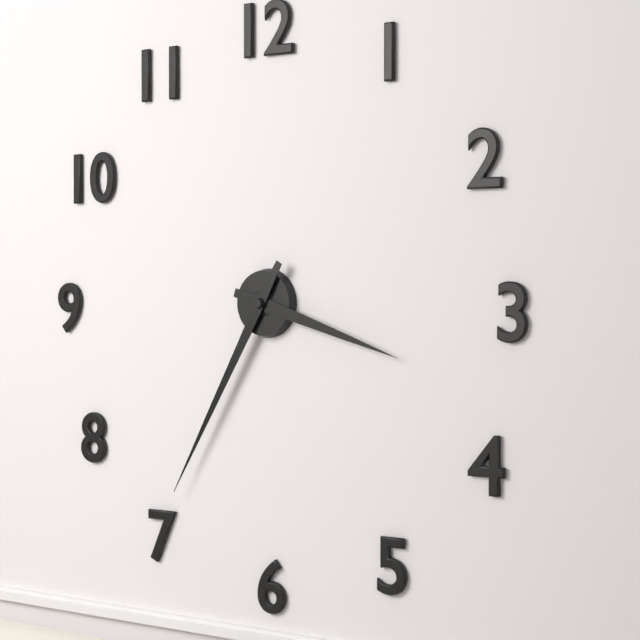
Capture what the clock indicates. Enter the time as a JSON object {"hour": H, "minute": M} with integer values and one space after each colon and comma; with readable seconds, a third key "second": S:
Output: {"hour": 3, "minute": 35}
